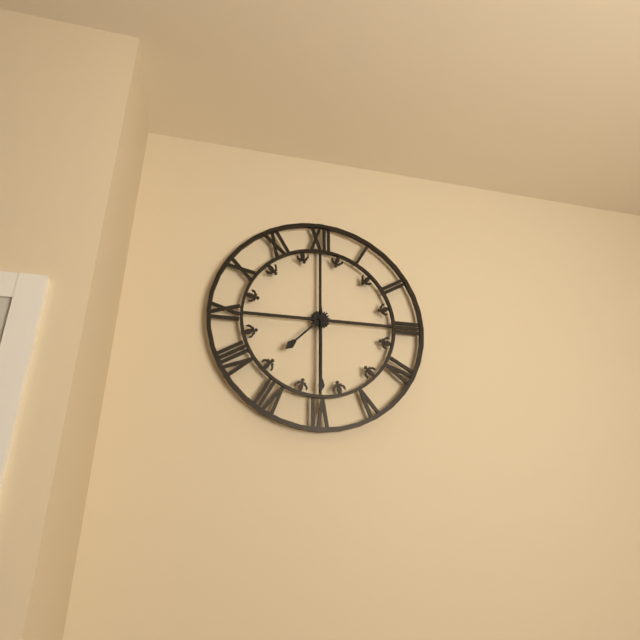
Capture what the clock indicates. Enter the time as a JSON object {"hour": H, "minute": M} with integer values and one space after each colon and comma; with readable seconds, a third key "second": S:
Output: {"hour": 7, "minute": 30}
